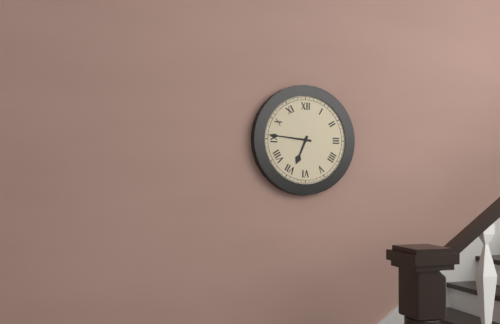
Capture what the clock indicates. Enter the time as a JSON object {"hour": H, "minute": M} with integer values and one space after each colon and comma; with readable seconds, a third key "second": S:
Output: {"hour": 6, "minute": 46}
